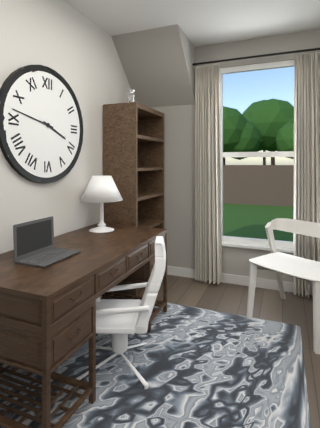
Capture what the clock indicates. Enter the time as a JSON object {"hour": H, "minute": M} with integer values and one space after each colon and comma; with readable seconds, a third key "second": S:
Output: {"hour": 3, "minute": 47}
